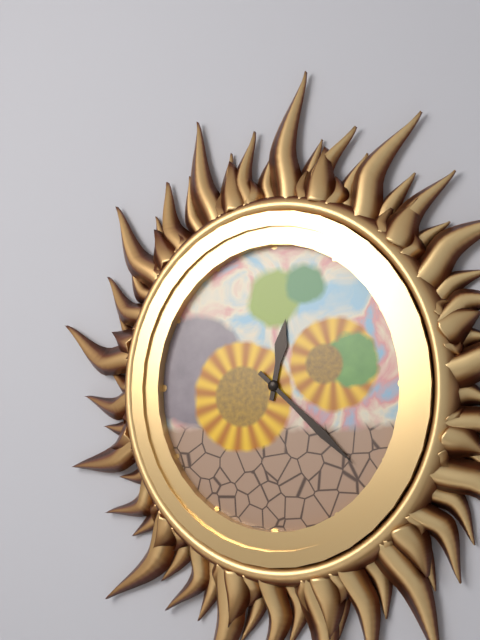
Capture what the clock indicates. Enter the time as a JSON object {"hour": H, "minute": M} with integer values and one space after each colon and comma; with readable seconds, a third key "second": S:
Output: {"hour": 12, "minute": 22}
